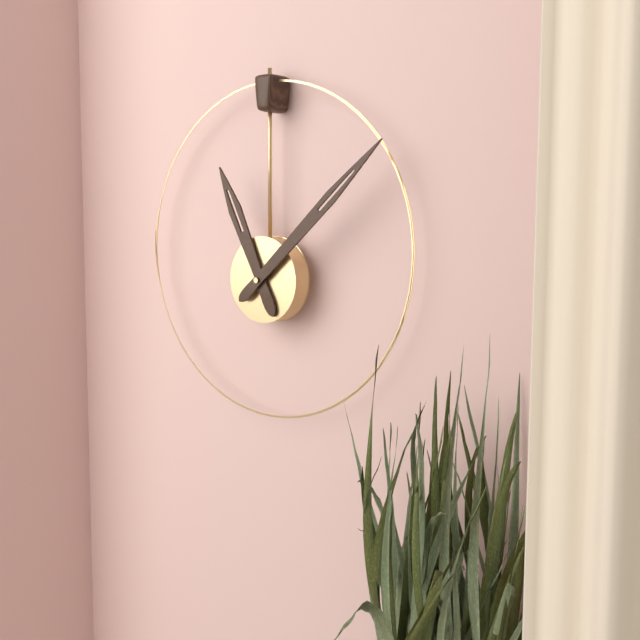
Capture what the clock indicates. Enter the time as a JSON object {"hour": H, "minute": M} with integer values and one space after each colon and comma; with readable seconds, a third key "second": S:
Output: {"hour": 11, "minute": 8}
